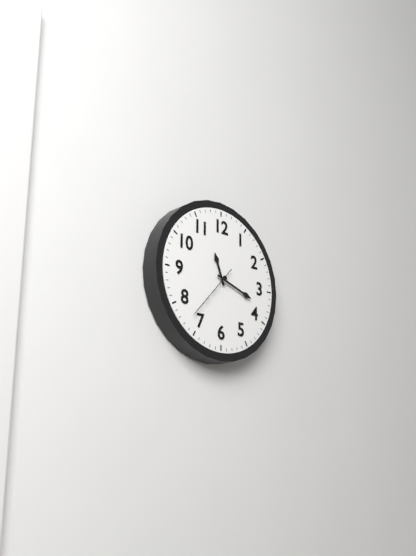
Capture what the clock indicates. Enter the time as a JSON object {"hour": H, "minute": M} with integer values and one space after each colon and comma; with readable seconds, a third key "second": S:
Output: {"hour": 11, "minute": 18, "second": 37}
